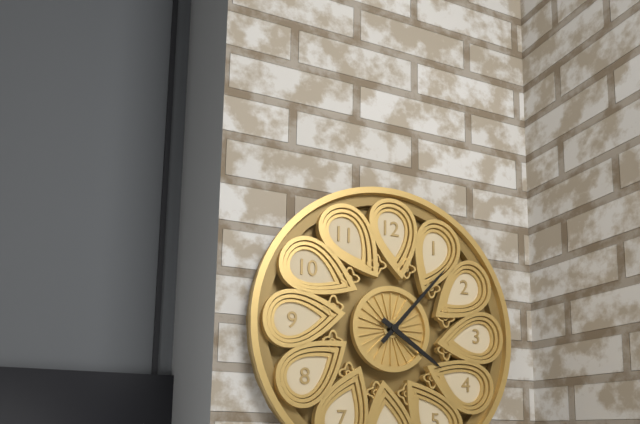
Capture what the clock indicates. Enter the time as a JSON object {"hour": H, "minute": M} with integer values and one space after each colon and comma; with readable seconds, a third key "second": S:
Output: {"hour": 4, "minute": 7}
